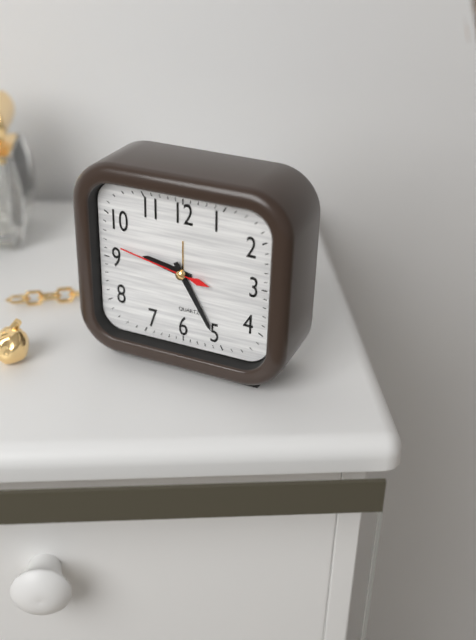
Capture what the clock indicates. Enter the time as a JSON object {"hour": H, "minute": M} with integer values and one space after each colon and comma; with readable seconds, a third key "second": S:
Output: {"hour": 9, "minute": 25, "second": 47}
